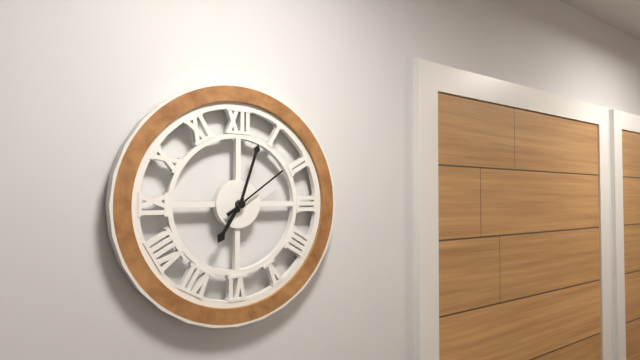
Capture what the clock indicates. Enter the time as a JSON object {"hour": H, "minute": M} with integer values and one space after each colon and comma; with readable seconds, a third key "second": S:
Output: {"hour": 7, "minute": 3, "second": 9}
